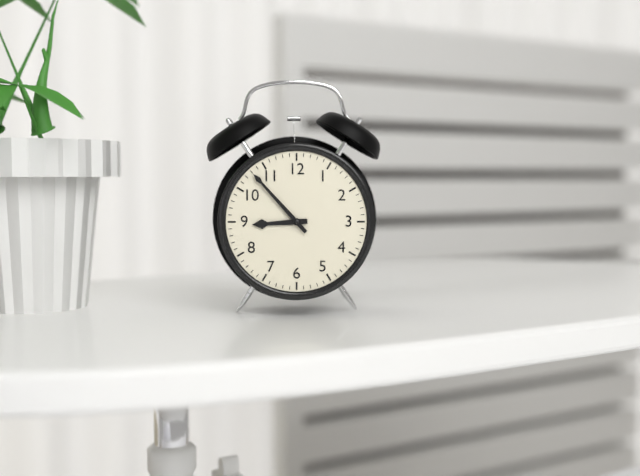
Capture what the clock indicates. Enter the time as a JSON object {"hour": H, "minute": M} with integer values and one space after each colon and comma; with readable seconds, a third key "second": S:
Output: {"hour": 8, "minute": 53}
